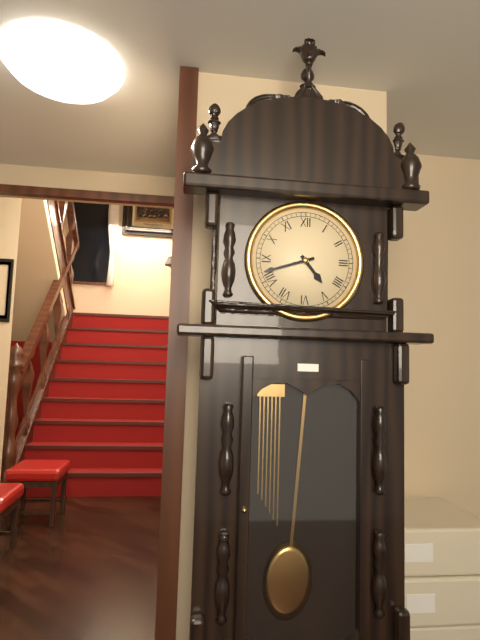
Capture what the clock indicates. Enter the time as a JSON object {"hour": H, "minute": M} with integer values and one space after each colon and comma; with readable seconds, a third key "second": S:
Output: {"hour": 4, "minute": 42}
